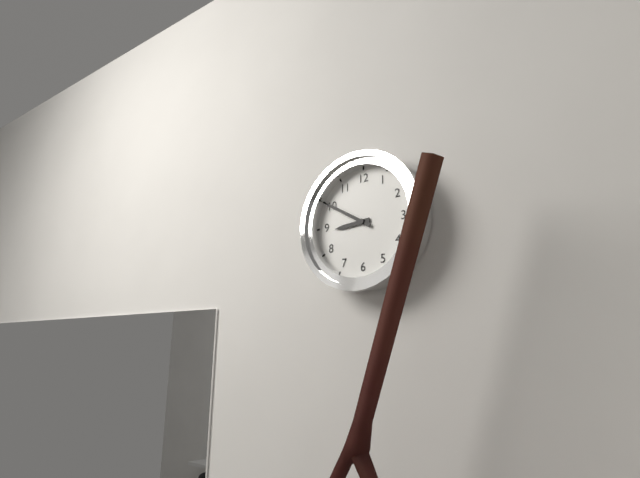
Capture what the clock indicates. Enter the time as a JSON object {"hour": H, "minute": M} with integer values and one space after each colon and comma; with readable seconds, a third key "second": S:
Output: {"hour": 8, "minute": 50}
